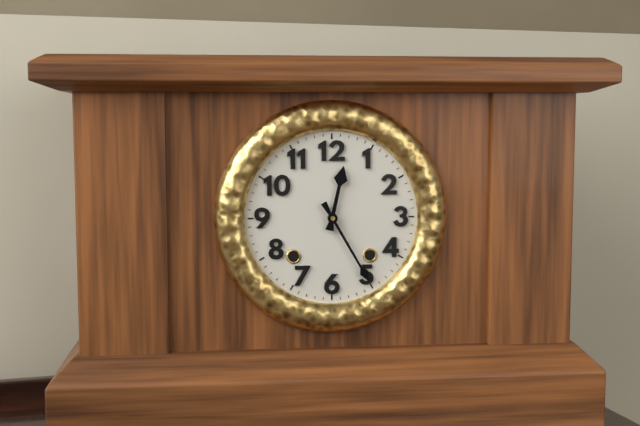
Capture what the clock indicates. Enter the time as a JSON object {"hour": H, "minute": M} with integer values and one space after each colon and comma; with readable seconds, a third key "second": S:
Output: {"hour": 12, "minute": 25}
